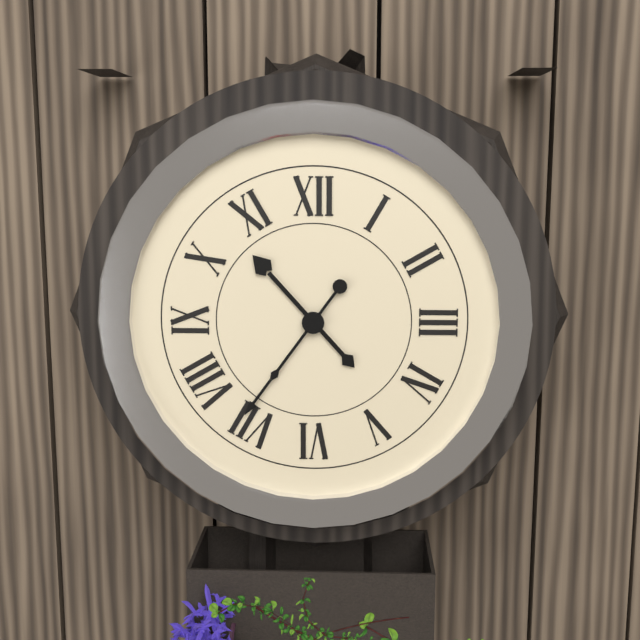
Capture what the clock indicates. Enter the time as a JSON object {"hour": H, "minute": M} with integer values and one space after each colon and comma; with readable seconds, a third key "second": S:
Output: {"hour": 10, "minute": 36}
